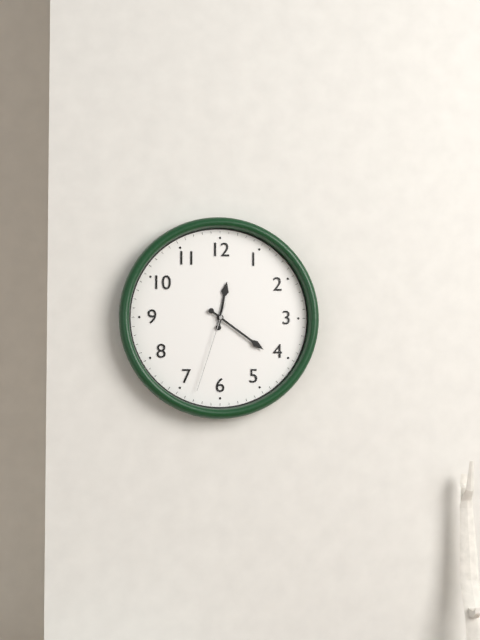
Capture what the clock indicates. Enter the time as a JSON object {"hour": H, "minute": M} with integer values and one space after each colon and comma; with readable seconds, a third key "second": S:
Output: {"hour": 12, "minute": 21, "second": 33}
